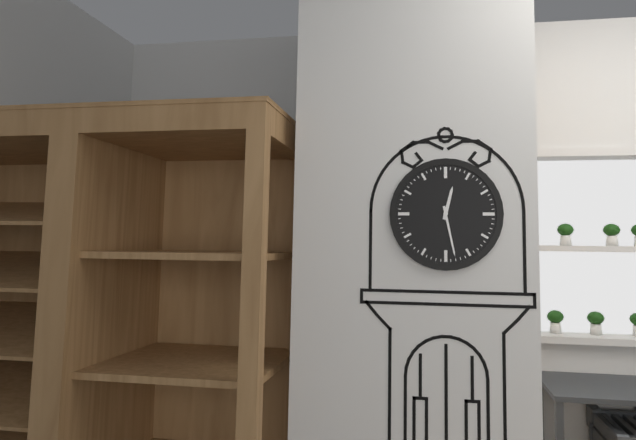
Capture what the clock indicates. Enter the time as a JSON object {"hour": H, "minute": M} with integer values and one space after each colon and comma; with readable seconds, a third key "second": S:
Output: {"hour": 12, "minute": 28}
